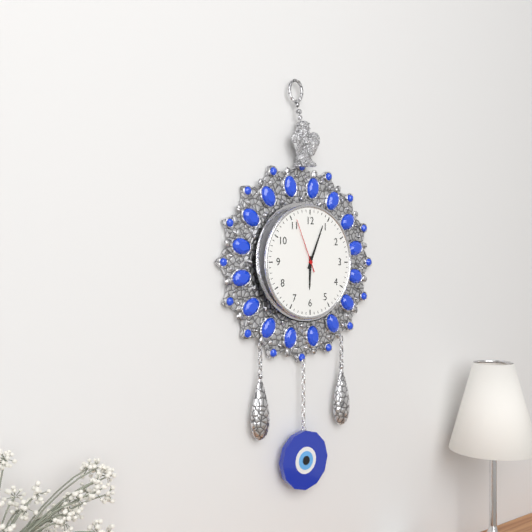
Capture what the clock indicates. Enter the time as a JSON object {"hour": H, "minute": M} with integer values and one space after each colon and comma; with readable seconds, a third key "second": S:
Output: {"hour": 6, "minute": 4, "second": 56}
